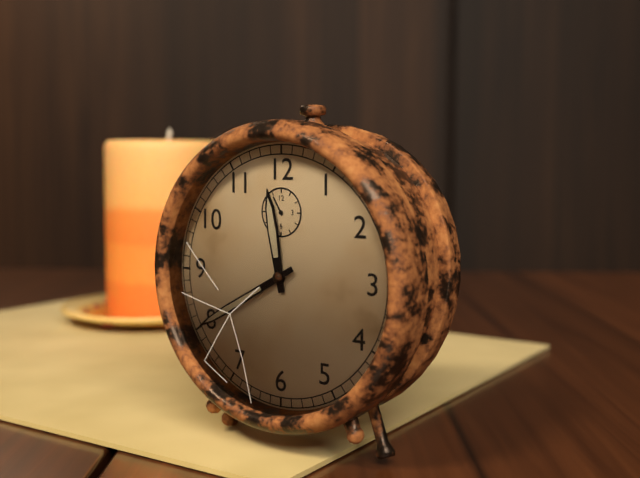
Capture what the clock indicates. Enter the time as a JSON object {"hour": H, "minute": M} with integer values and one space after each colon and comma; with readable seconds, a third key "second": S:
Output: {"hour": 11, "minute": 40}
